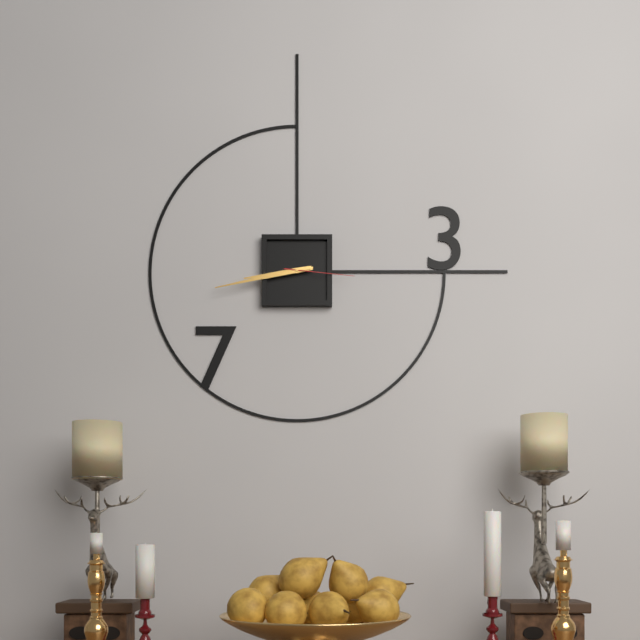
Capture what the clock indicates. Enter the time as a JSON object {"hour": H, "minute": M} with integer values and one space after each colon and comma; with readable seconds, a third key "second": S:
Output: {"hour": 8, "minute": 43, "second": 16}
